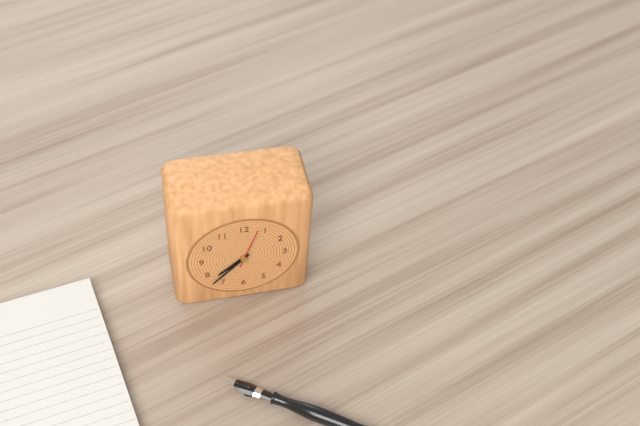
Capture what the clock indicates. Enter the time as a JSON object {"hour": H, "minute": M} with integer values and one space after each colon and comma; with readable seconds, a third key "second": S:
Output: {"hour": 7, "minute": 37}
